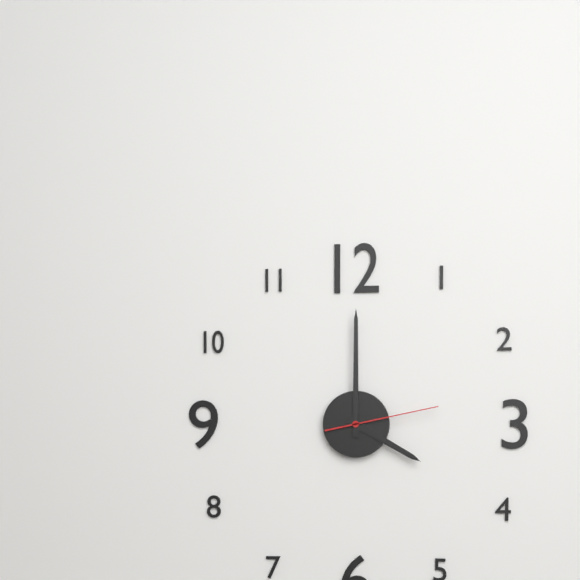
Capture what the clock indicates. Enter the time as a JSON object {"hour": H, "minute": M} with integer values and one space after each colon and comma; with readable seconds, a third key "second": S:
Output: {"hour": 4, "minute": 0, "second": 13}
